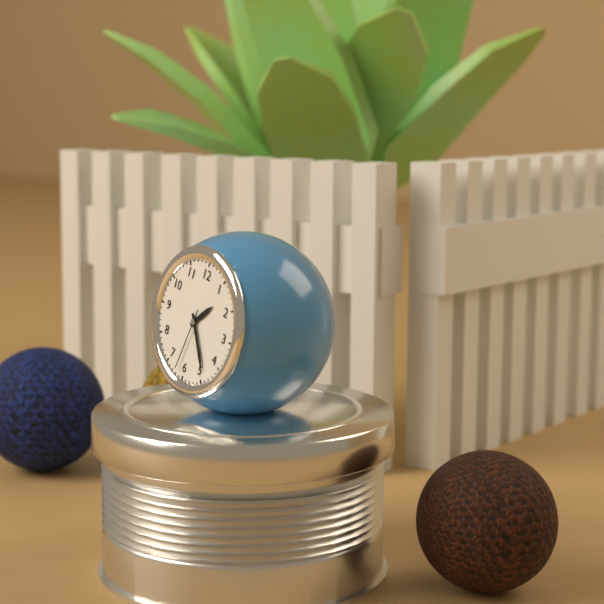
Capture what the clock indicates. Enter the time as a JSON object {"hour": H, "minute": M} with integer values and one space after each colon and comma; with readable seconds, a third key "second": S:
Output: {"hour": 1, "minute": 24, "second": 32}
